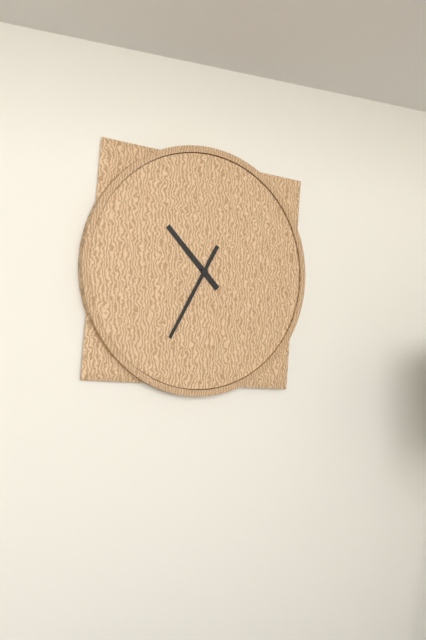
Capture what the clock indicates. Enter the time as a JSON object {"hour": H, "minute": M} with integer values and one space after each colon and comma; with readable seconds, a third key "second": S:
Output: {"hour": 10, "minute": 35}
